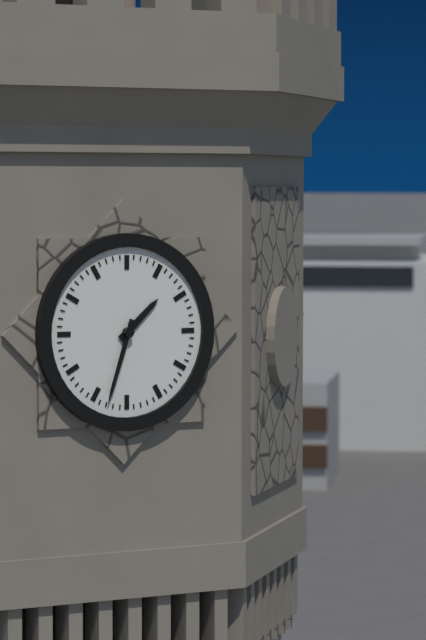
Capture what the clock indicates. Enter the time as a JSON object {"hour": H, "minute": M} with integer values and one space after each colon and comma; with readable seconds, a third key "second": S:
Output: {"hour": 1, "minute": 33}
